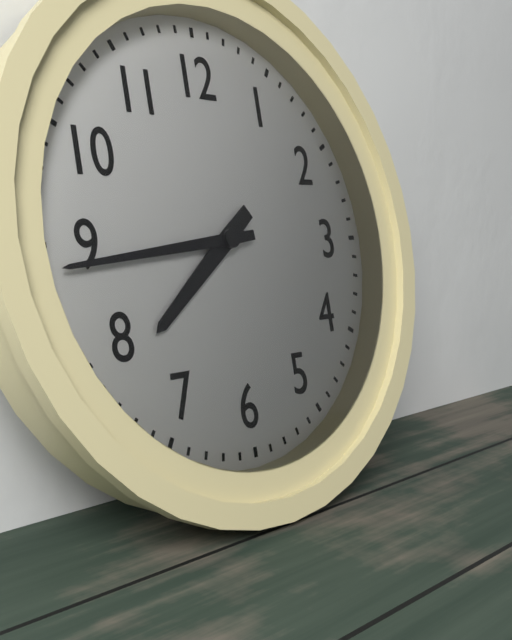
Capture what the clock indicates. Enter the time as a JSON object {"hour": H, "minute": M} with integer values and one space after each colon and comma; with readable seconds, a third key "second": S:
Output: {"hour": 7, "minute": 44}
